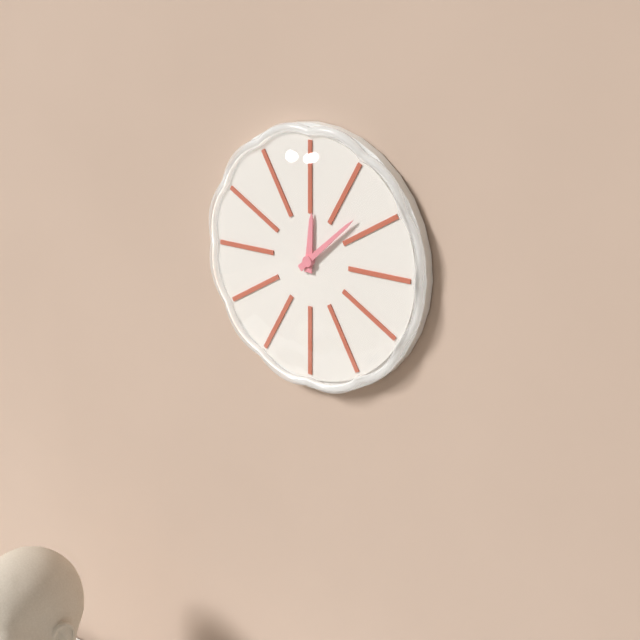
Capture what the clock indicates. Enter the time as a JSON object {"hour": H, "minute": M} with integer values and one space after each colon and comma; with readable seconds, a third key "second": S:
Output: {"hour": 12, "minute": 8}
